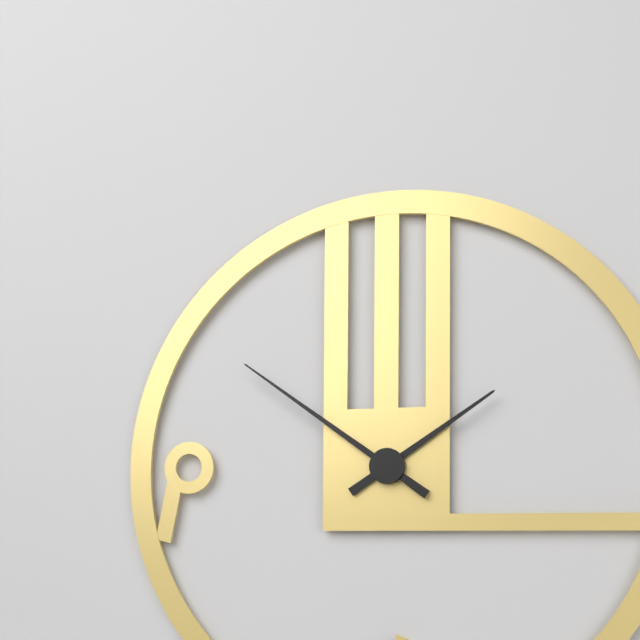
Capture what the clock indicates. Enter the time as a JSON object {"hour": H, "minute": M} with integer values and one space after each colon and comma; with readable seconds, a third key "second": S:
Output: {"hour": 1, "minute": 51}
